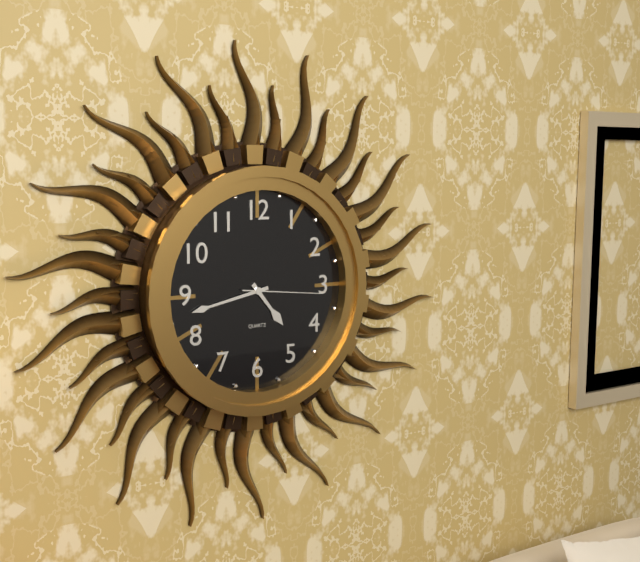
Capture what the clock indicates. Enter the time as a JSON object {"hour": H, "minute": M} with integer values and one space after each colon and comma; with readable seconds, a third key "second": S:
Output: {"hour": 4, "minute": 43, "second": 16}
